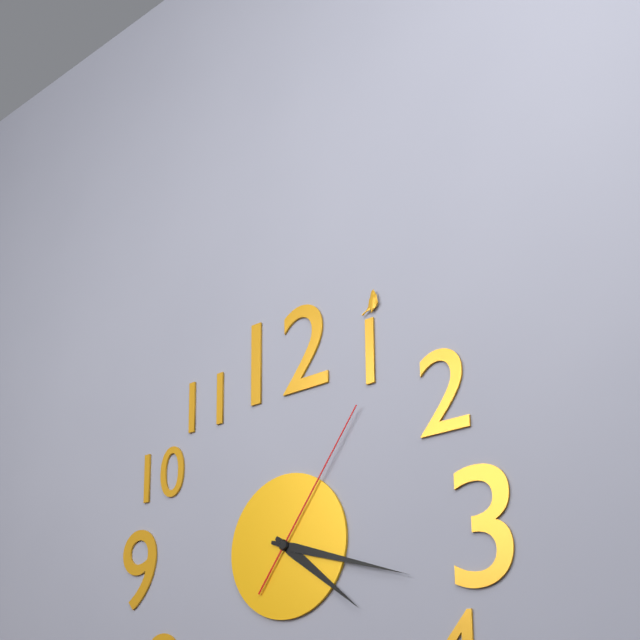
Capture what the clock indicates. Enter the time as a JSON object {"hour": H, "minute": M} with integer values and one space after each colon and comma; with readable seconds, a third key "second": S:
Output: {"hour": 4, "minute": 18, "second": 6}
